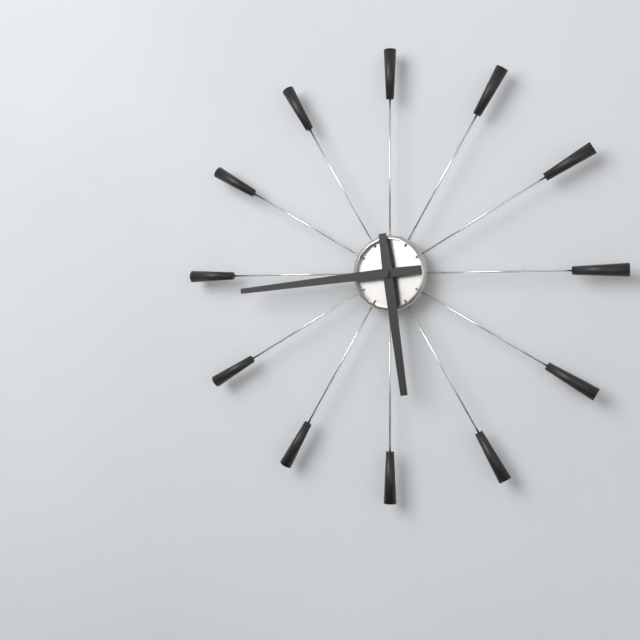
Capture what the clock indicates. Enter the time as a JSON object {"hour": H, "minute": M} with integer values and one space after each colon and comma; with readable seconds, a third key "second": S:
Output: {"hour": 5, "minute": 44}
